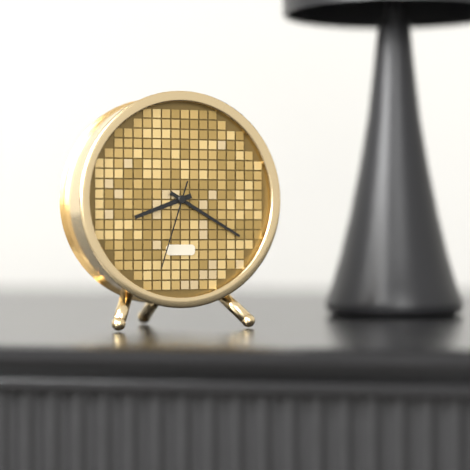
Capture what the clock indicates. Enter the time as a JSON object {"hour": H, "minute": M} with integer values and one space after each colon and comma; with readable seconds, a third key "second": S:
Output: {"hour": 8, "minute": 20, "second": 33}
